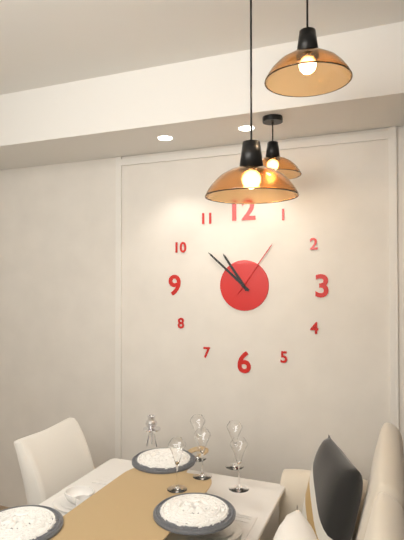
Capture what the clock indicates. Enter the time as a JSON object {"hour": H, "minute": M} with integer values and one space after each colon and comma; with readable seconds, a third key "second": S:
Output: {"hour": 10, "minute": 52, "second": 6}
